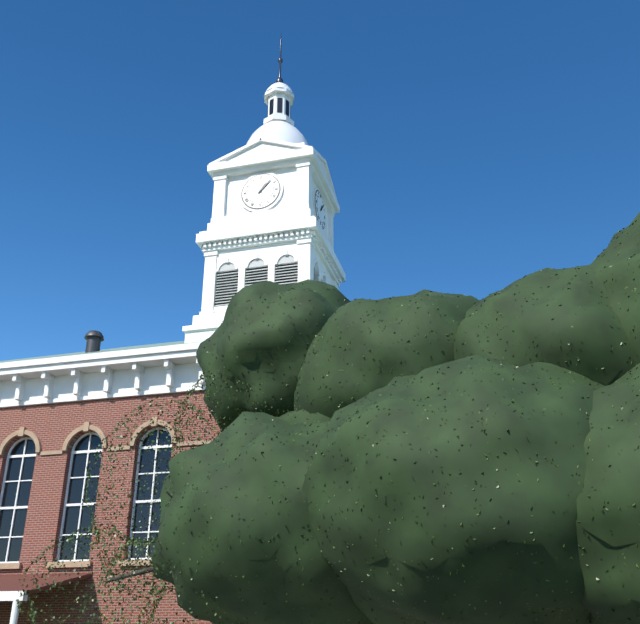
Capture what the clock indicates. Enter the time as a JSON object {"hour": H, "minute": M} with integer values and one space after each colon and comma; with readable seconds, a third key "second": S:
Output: {"hour": 1, "minute": 7}
